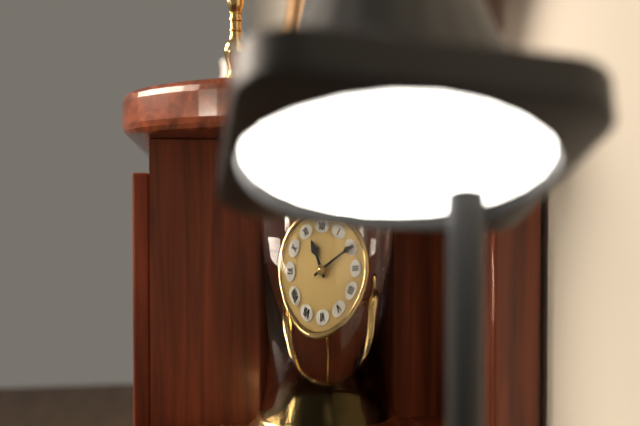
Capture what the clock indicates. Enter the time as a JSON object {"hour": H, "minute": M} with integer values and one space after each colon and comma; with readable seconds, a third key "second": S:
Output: {"hour": 11, "minute": 10}
